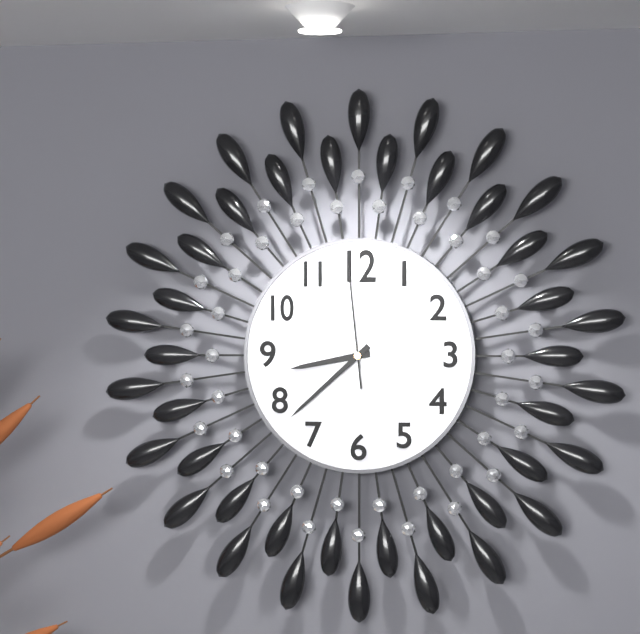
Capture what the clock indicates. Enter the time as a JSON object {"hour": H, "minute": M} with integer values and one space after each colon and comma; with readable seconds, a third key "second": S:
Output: {"hour": 8, "minute": 38, "second": 59}
